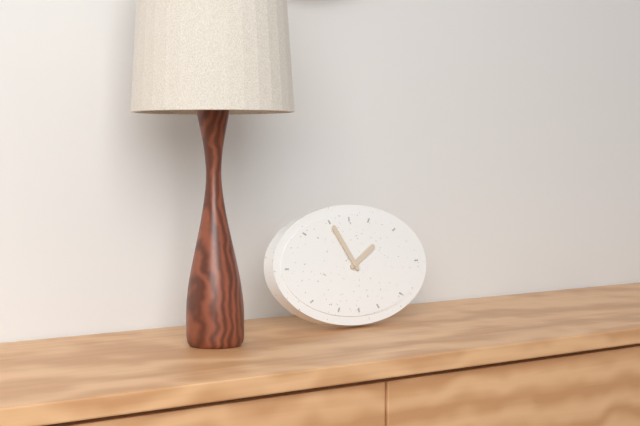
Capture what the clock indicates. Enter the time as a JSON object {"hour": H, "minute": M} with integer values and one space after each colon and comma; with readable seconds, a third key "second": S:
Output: {"hour": 1, "minute": 55}
